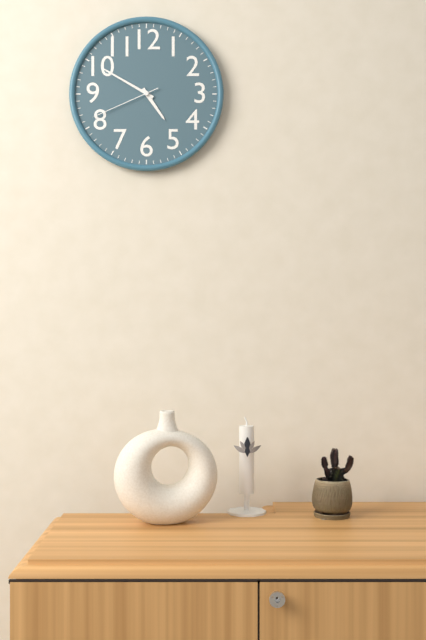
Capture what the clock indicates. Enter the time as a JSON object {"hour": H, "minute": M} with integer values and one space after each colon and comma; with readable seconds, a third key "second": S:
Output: {"hour": 4, "minute": 50, "second": 41}
